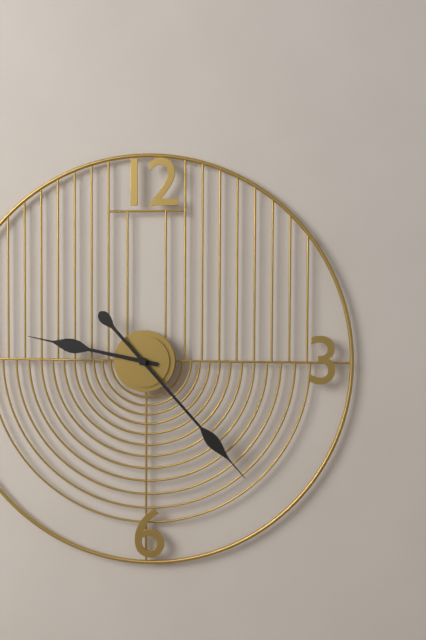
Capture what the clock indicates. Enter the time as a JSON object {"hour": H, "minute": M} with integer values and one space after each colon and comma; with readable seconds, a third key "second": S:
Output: {"hour": 9, "minute": 23}
